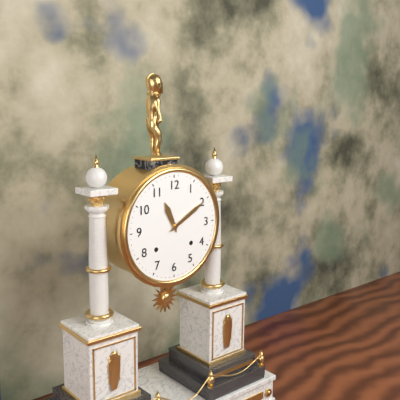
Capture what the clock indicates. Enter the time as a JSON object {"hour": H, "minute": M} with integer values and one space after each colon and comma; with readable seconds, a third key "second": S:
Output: {"hour": 11, "minute": 10}
